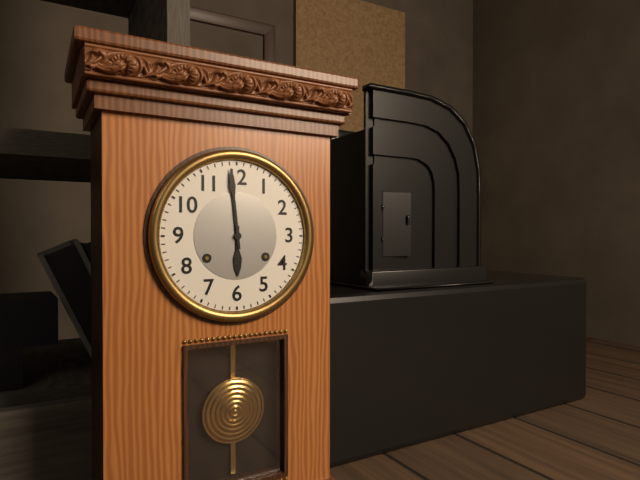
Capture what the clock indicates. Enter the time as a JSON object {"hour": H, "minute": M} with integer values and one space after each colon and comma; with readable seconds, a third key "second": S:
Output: {"hour": 5, "minute": 59}
